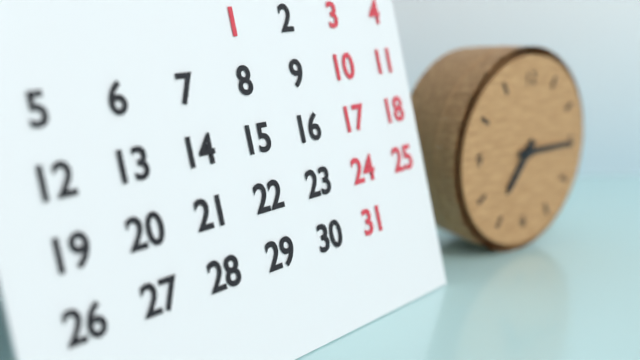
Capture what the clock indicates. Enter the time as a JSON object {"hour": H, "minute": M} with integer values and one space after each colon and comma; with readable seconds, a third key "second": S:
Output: {"hour": 7, "minute": 15}
